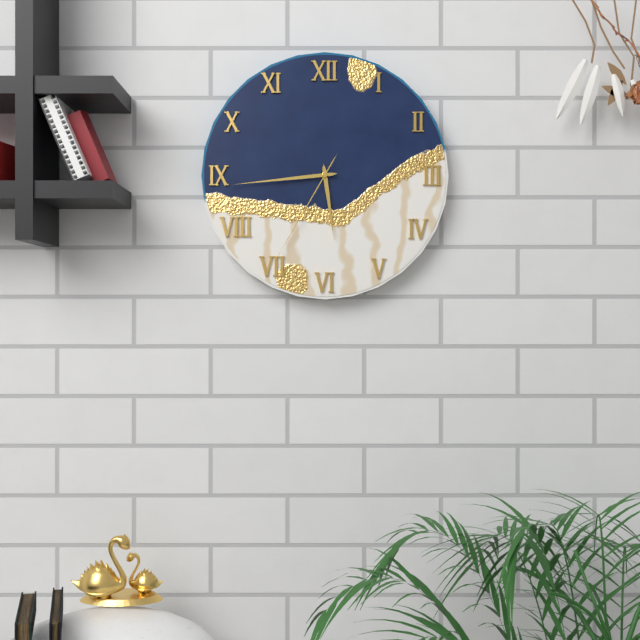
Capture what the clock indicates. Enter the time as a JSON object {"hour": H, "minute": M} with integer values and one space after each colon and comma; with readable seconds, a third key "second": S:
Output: {"hour": 5, "minute": 44, "second": 35}
